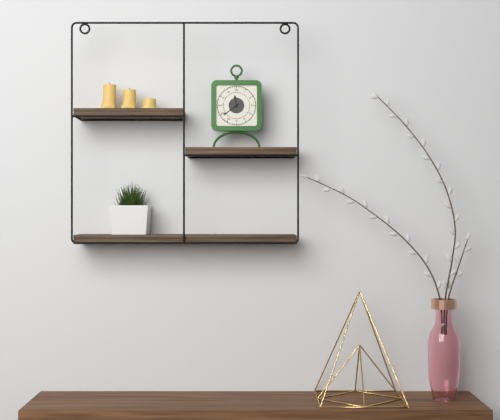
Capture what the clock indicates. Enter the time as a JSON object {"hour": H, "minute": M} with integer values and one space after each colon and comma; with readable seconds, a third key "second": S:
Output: {"hour": 11, "minute": 39}
